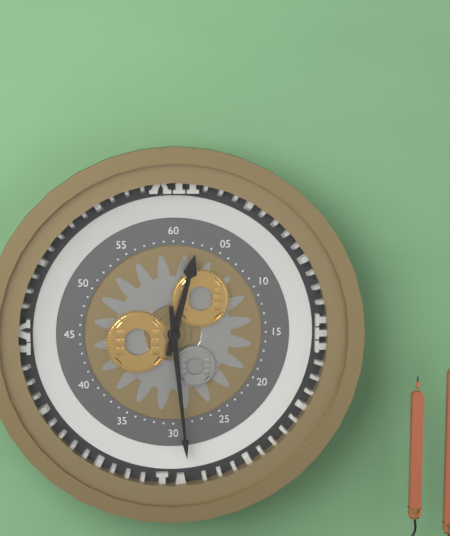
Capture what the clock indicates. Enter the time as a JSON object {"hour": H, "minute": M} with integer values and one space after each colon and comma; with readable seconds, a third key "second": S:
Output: {"hour": 12, "minute": 29}
